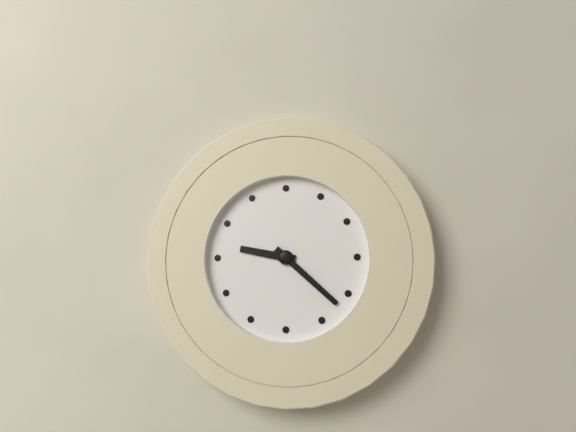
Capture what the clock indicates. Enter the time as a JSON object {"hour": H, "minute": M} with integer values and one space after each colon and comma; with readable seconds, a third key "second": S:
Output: {"hour": 9, "minute": 22}
